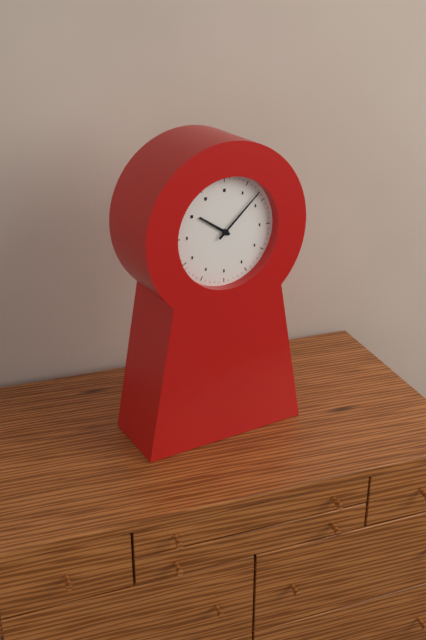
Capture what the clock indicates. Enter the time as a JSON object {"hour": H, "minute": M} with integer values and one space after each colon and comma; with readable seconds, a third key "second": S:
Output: {"hour": 10, "minute": 8}
